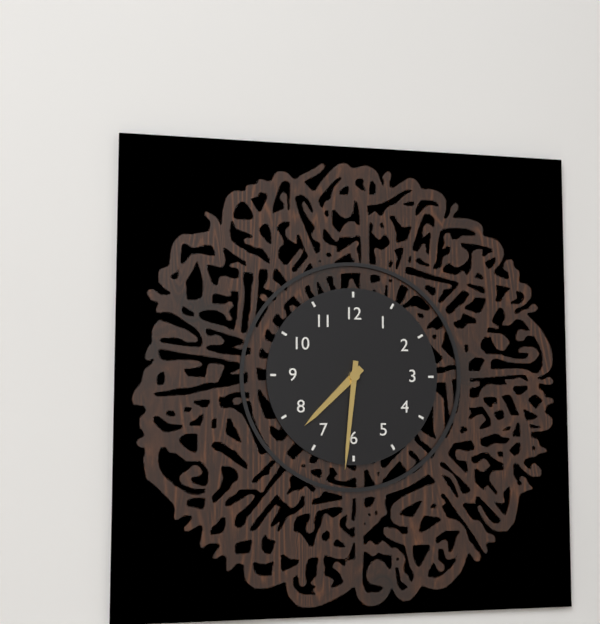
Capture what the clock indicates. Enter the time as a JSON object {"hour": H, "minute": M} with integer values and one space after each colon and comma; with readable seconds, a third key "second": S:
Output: {"hour": 7, "minute": 31}
